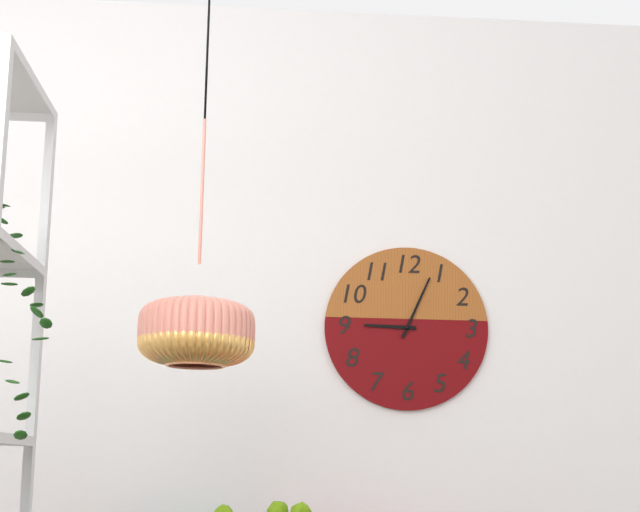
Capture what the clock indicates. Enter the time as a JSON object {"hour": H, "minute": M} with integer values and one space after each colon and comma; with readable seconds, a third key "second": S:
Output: {"hour": 9, "minute": 4}
